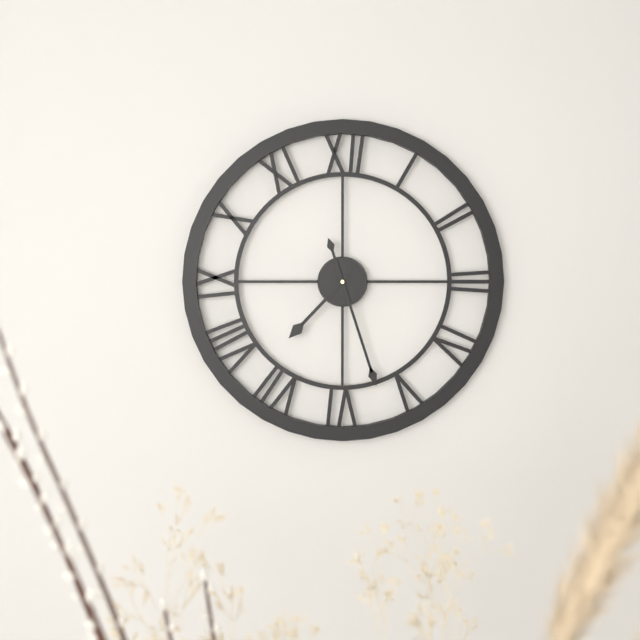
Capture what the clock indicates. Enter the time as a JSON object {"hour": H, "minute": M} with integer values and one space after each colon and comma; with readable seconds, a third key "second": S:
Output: {"hour": 7, "minute": 27}
